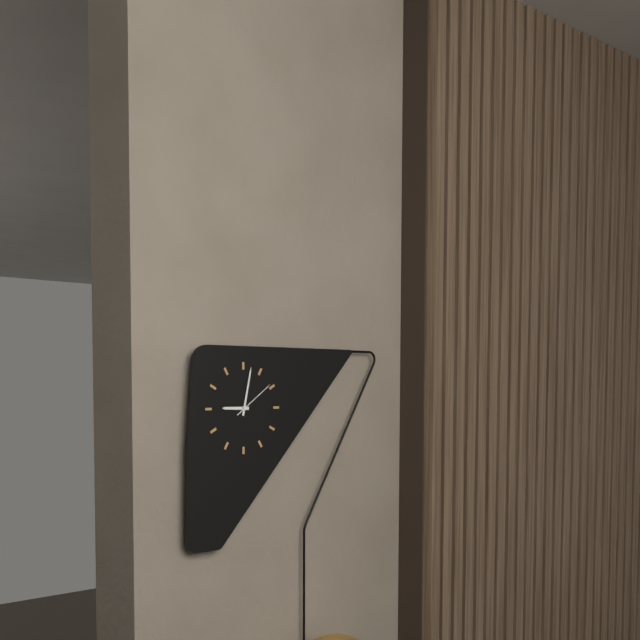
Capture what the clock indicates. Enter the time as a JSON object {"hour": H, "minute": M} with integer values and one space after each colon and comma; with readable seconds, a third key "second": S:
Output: {"hour": 9, "minute": 2, "second": 9}
